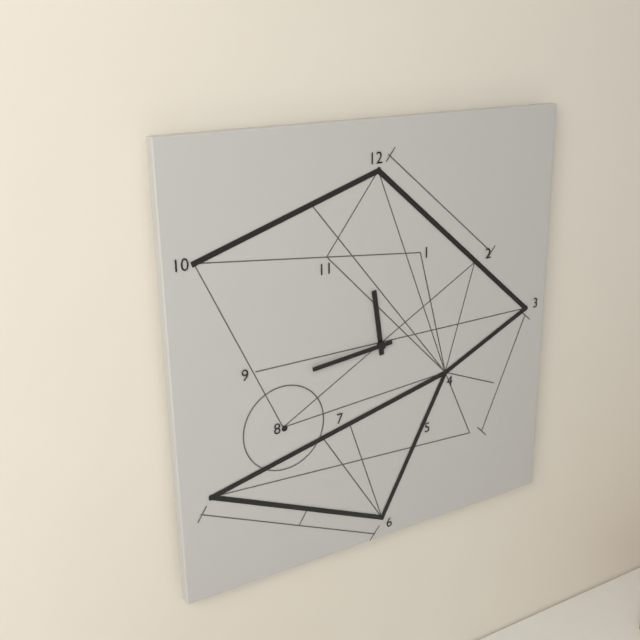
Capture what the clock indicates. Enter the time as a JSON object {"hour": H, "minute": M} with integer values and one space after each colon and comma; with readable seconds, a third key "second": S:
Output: {"hour": 11, "minute": 44}
